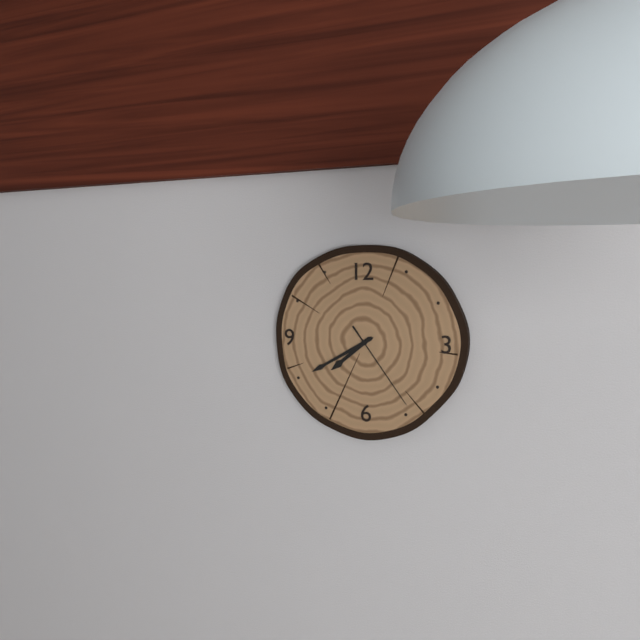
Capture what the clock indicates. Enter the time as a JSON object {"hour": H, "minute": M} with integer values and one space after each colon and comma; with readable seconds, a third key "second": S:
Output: {"hour": 7, "minute": 40, "second": 24}
